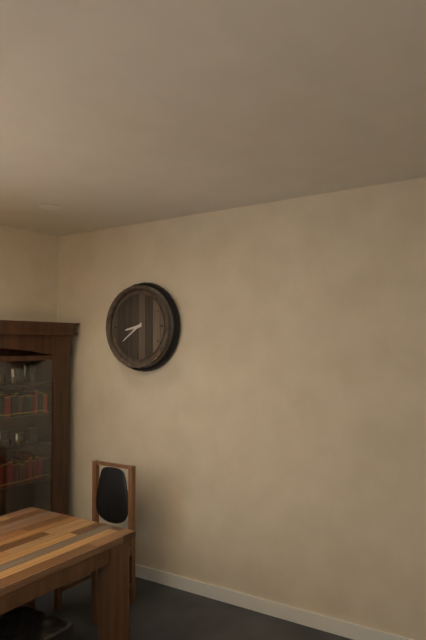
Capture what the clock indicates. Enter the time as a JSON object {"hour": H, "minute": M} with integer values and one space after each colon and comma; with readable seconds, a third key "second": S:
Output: {"hour": 8, "minute": 39}
